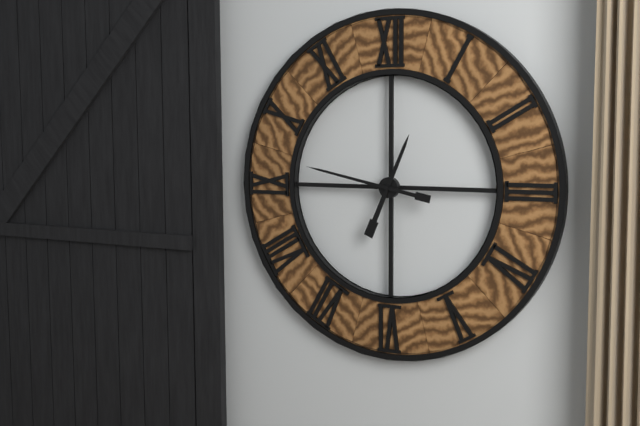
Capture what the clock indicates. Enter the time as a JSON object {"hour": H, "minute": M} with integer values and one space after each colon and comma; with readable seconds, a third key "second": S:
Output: {"hour": 12, "minute": 47}
